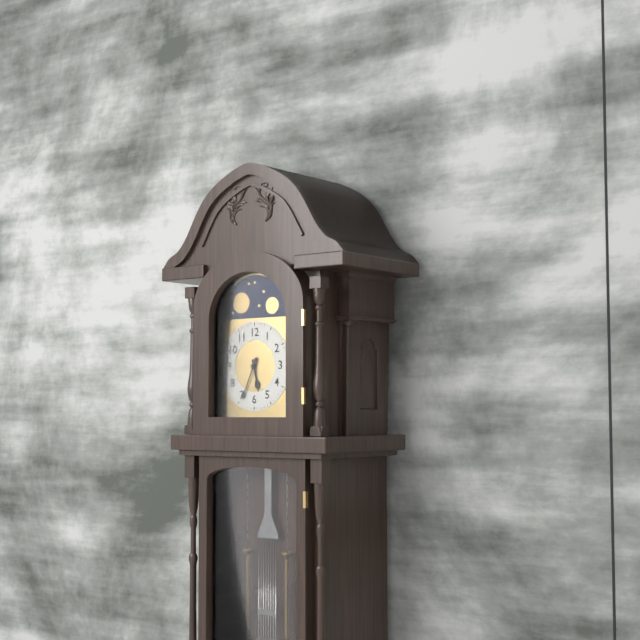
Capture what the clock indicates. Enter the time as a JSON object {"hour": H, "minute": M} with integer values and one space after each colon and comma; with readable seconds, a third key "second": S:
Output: {"hour": 5, "minute": 34}
